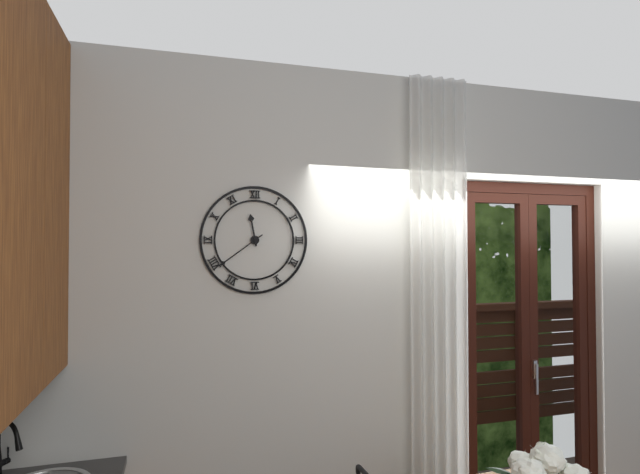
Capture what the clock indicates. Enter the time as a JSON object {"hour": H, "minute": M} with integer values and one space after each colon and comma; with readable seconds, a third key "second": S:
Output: {"hour": 11, "minute": 39}
